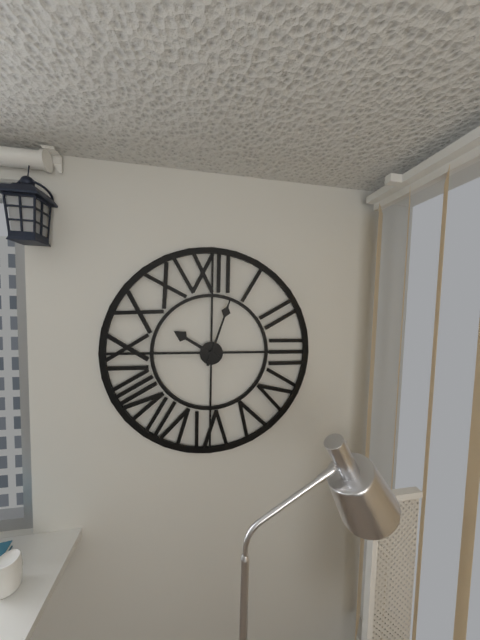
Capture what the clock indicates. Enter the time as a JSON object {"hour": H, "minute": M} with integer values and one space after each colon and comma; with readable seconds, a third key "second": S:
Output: {"hour": 10, "minute": 3}
